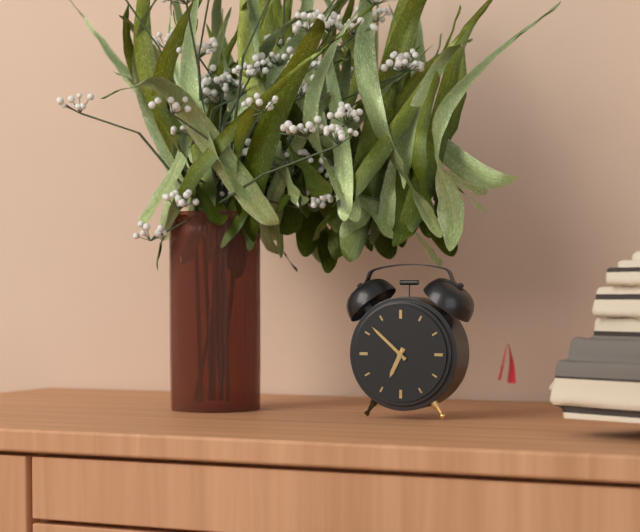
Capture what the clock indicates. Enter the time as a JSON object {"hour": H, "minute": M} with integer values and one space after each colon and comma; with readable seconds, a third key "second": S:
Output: {"hour": 6, "minute": 52}
